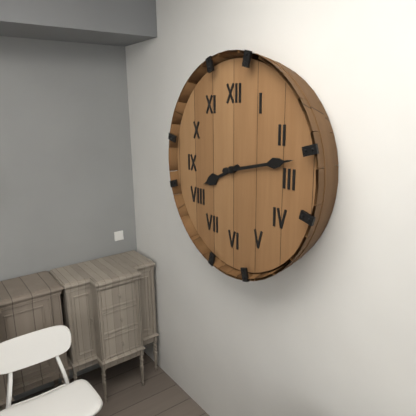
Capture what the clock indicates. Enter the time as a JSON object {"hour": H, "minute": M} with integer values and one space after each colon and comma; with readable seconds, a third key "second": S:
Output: {"hour": 8, "minute": 13}
